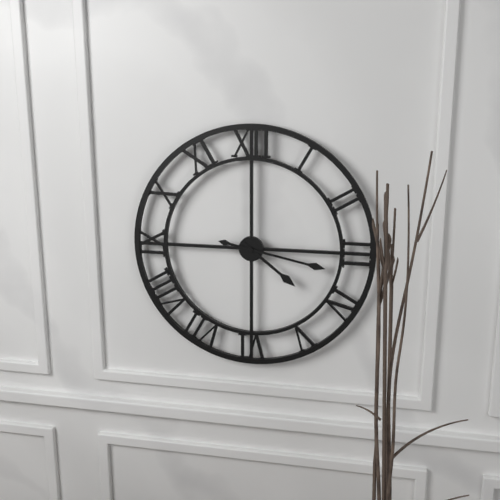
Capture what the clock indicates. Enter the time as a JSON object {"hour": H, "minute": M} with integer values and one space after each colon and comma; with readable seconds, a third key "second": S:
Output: {"hour": 4, "minute": 17}
